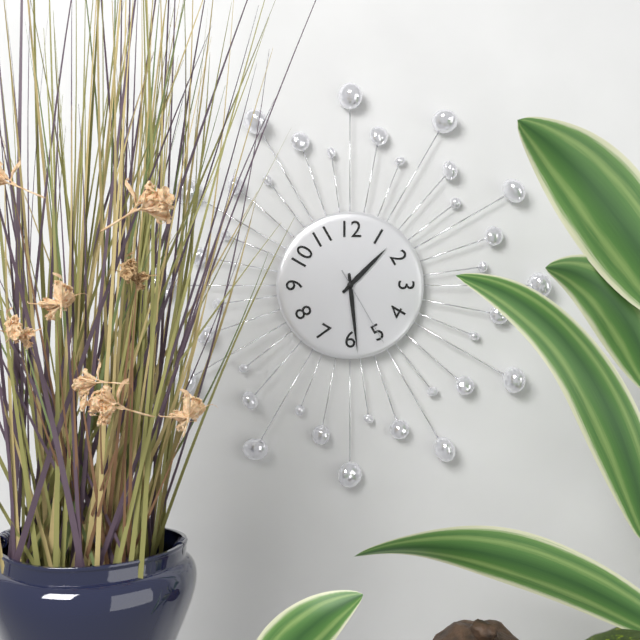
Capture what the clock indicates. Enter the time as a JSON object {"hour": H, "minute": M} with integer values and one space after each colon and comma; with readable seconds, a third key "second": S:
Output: {"hour": 1, "minute": 29, "second": 25}
